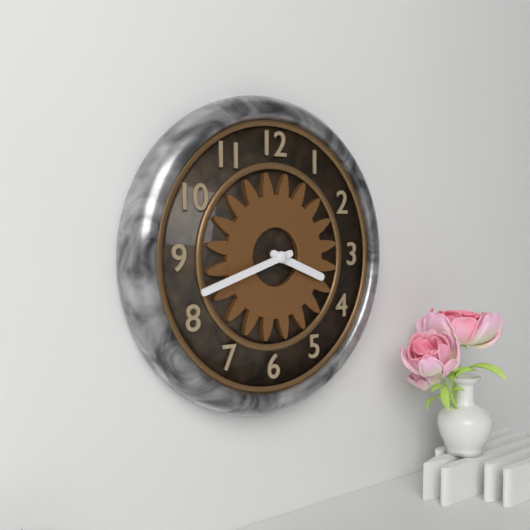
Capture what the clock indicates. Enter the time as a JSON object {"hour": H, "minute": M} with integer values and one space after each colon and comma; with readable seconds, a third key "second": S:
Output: {"hour": 3, "minute": 42}
